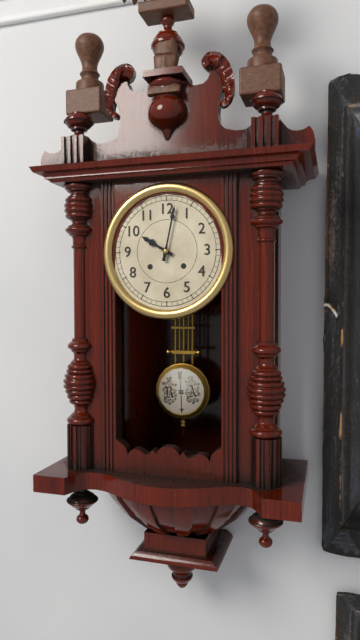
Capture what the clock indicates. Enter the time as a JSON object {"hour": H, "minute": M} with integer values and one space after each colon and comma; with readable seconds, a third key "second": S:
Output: {"hour": 10, "minute": 2}
